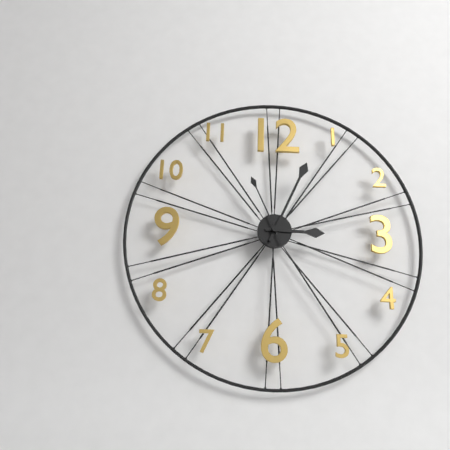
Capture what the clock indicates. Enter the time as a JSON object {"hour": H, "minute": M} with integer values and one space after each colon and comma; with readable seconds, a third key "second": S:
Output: {"hour": 3, "minute": 4, "second": 56}
